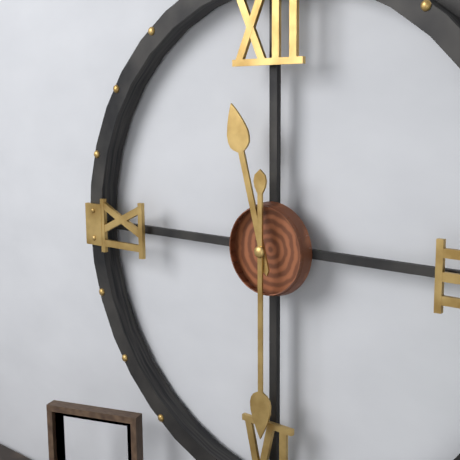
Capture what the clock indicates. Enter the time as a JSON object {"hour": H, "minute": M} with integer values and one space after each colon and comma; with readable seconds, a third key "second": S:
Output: {"hour": 11, "minute": 30}
